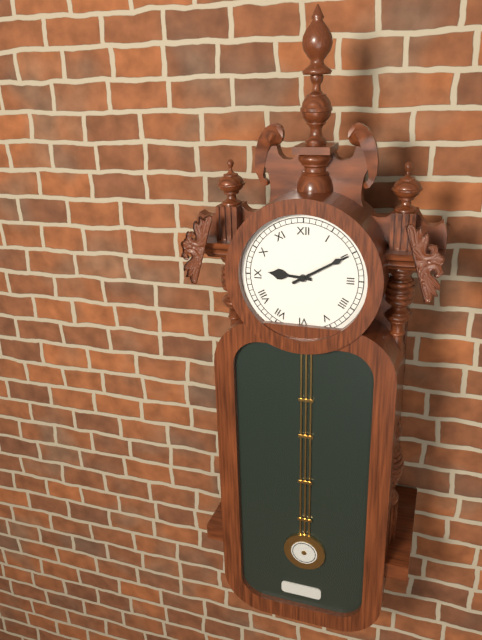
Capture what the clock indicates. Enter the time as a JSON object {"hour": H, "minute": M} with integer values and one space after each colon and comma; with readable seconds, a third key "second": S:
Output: {"hour": 9, "minute": 10}
